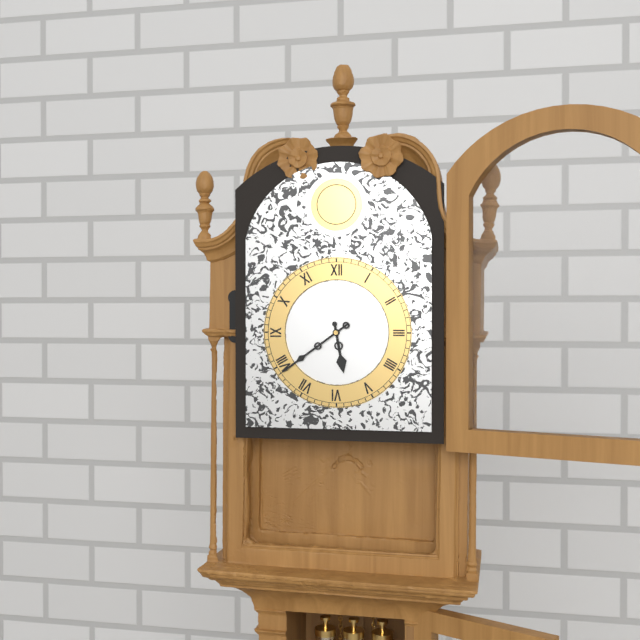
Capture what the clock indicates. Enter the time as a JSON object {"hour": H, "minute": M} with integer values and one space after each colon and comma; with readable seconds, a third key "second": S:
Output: {"hour": 5, "minute": 39}
